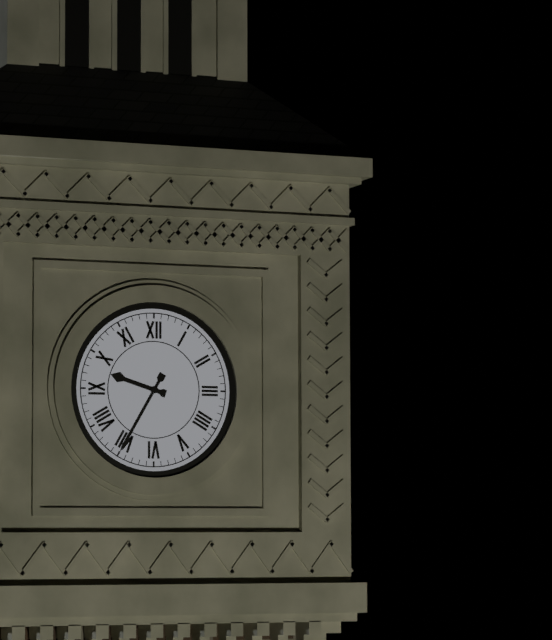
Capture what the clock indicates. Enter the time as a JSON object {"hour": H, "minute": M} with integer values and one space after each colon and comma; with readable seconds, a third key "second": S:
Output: {"hour": 9, "minute": 35}
